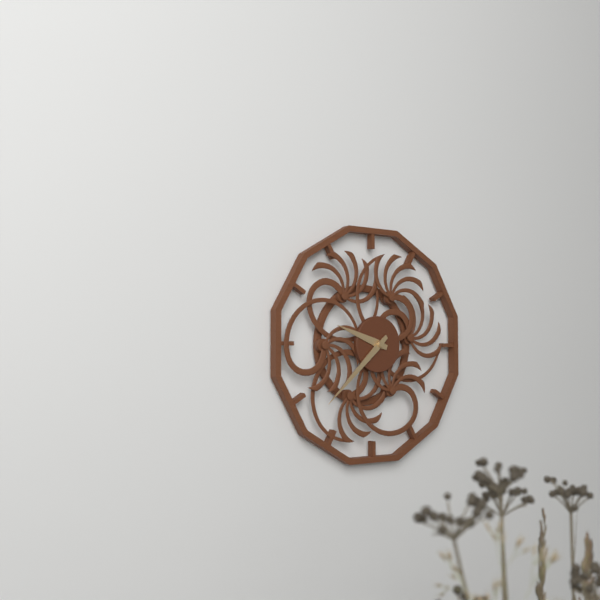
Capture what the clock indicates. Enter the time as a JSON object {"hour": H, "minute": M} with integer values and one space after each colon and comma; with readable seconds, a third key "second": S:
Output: {"hour": 9, "minute": 38}
